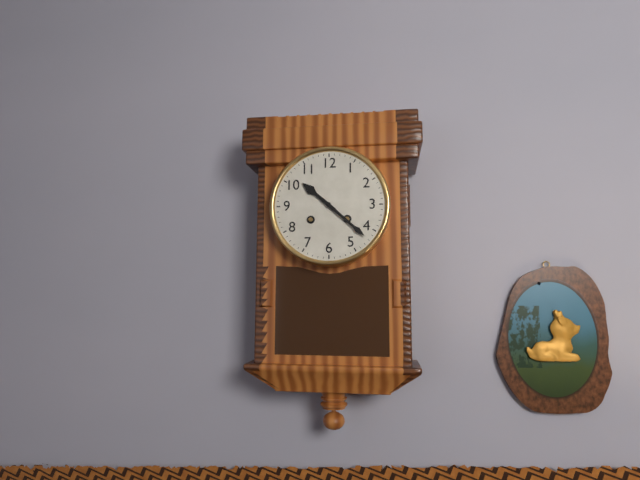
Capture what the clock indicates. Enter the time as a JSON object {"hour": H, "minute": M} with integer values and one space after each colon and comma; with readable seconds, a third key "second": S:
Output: {"hour": 10, "minute": 22}
